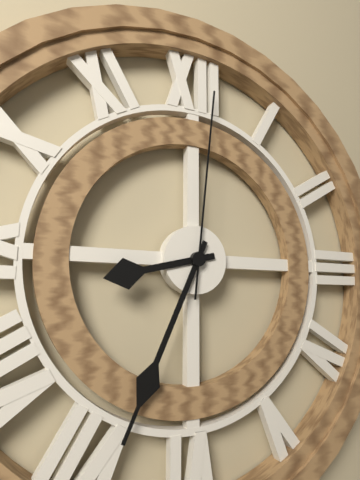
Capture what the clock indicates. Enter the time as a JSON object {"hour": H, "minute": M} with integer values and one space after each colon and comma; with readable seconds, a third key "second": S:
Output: {"hour": 8, "minute": 34, "second": 1}
